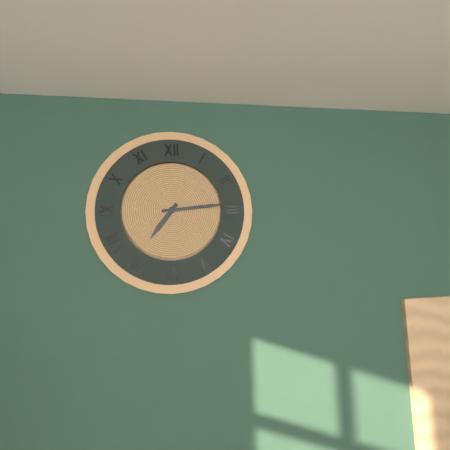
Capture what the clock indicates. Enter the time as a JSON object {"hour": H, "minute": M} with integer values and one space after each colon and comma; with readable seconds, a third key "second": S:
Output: {"hour": 7, "minute": 14}
